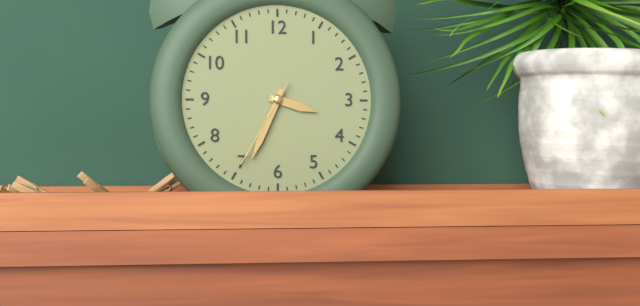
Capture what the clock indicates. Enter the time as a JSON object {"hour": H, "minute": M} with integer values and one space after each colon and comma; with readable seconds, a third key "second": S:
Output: {"hour": 3, "minute": 34, "second": 35}
